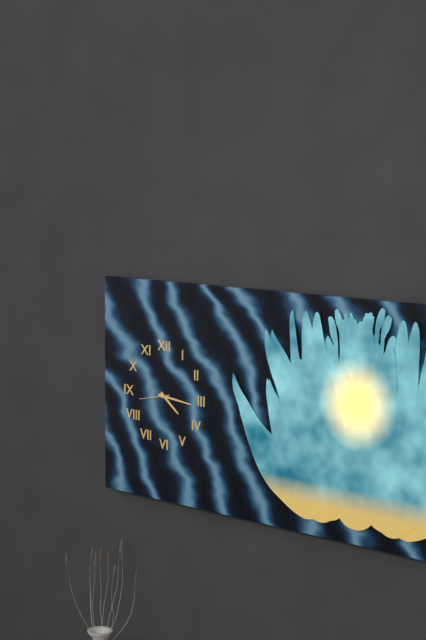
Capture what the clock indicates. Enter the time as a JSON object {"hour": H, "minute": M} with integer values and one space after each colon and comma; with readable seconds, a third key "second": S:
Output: {"hour": 4, "minute": 16}
